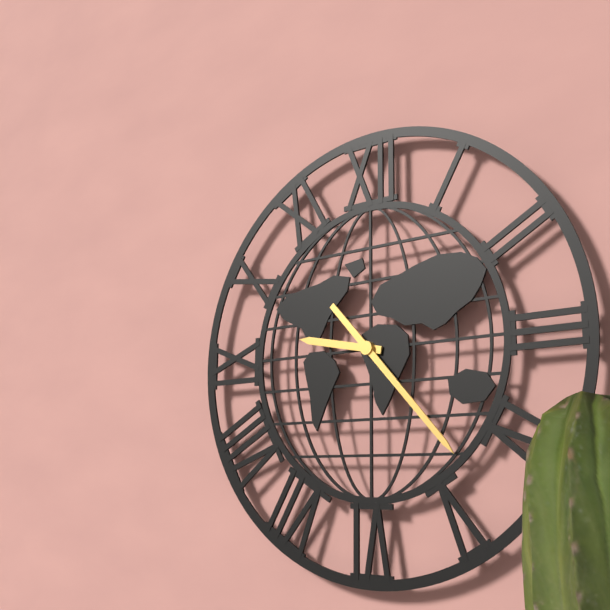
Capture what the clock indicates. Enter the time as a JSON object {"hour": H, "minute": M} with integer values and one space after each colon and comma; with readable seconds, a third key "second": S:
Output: {"hour": 9, "minute": 23}
